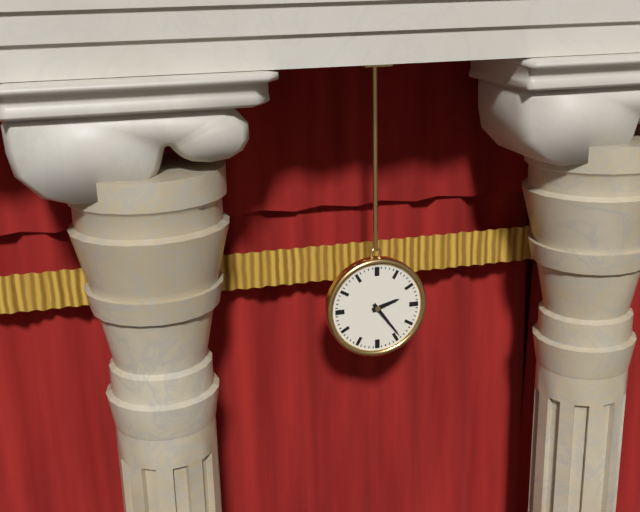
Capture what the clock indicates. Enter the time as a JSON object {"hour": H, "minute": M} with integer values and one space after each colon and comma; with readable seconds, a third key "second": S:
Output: {"hour": 2, "minute": 24}
